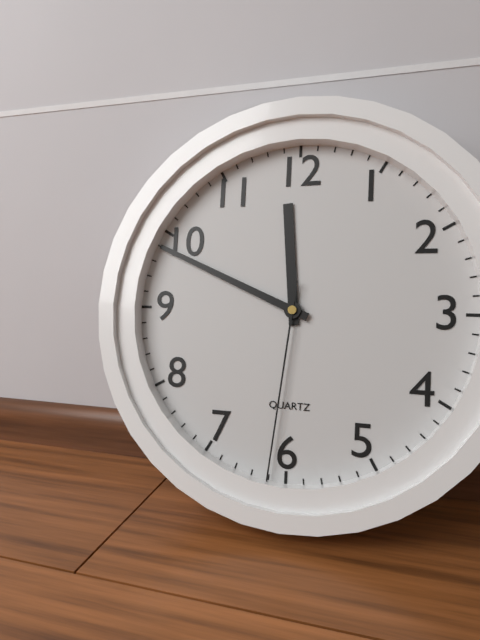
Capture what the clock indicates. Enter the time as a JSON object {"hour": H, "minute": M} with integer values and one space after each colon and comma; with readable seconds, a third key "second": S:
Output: {"hour": 11, "minute": 49, "second": 31}
